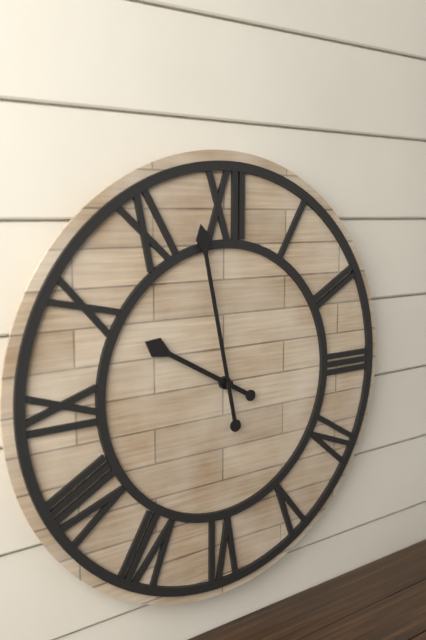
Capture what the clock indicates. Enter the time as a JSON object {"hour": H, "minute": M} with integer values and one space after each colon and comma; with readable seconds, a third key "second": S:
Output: {"hour": 9, "minute": 58}
